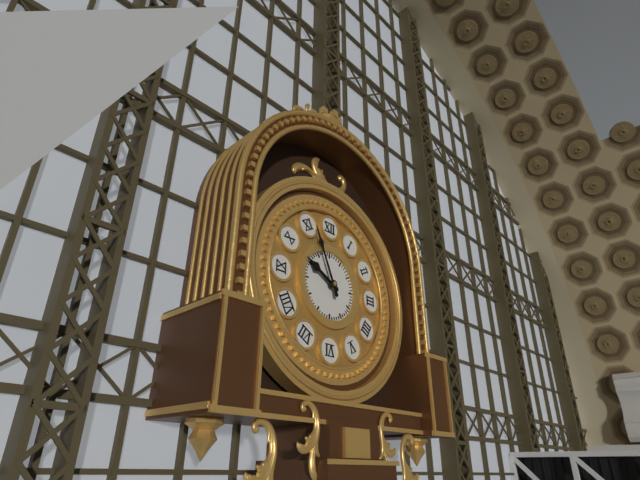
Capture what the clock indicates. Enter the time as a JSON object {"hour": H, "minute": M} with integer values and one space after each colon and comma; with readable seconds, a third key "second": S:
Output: {"hour": 9, "minute": 56}
